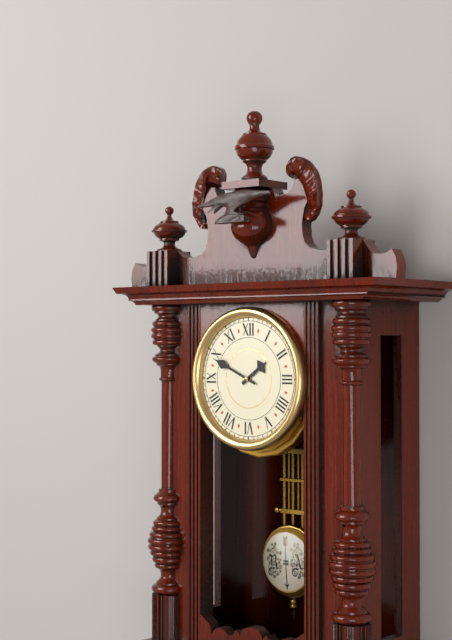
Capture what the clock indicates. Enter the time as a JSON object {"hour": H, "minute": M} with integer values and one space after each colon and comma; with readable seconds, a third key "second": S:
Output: {"hour": 1, "minute": 49}
